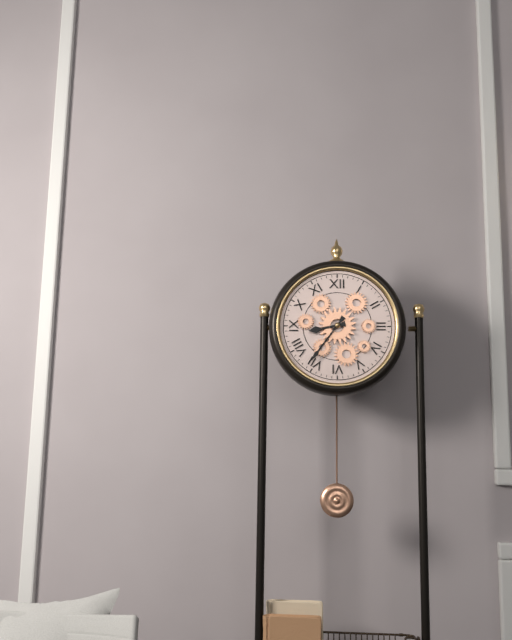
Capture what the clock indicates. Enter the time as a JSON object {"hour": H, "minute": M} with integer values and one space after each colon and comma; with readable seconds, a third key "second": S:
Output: {"hour": 8, "minute": 36}
